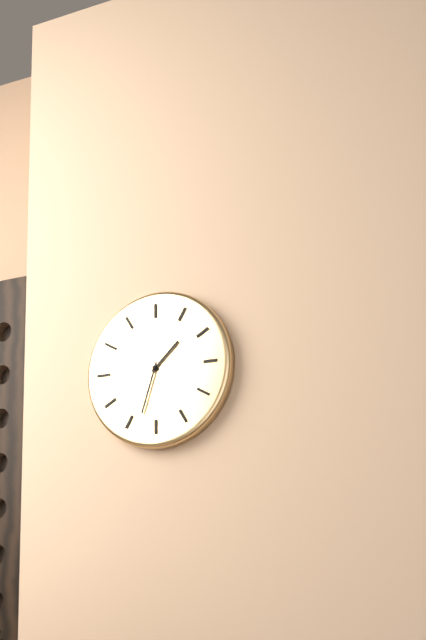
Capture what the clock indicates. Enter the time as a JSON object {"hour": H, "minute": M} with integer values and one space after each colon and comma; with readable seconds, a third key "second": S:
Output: {"hour": 1, "minute": 33}
